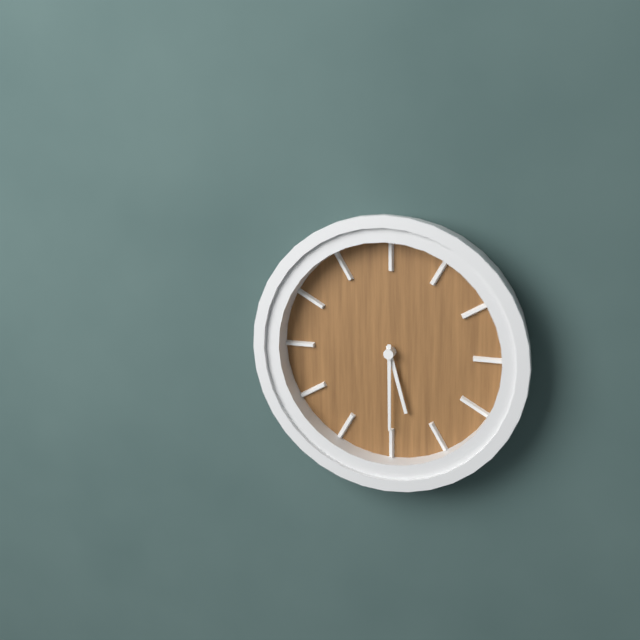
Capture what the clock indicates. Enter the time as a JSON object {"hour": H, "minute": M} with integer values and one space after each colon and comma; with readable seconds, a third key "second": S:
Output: {"hour": 5, "minute": 30}
